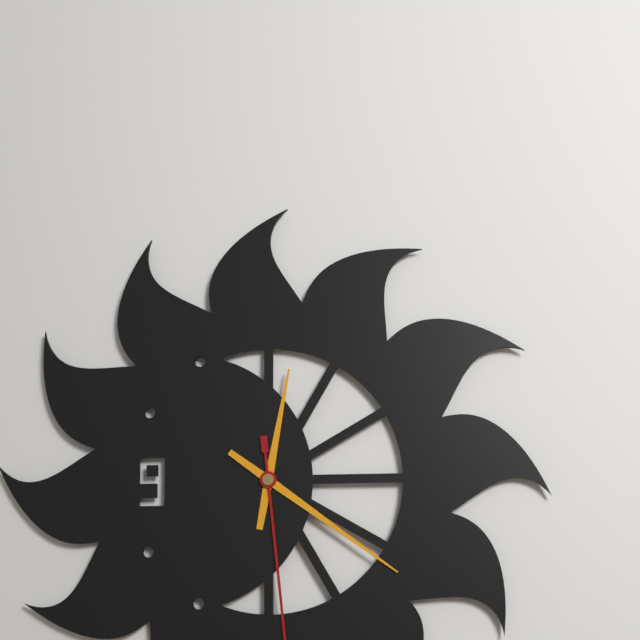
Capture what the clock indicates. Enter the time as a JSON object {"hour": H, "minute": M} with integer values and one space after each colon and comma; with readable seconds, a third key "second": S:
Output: {"hour": 12, "minute": 21}
